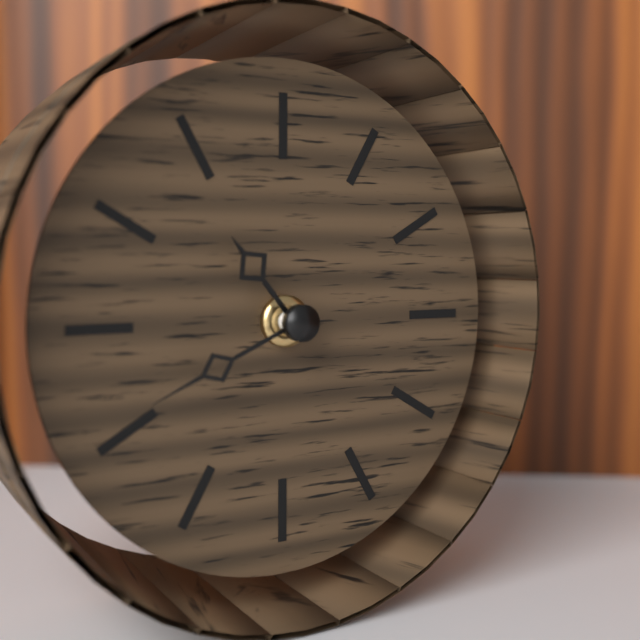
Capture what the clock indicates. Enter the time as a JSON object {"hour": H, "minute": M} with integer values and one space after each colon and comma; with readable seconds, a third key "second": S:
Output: {"hour": 10, "minute": 41}
